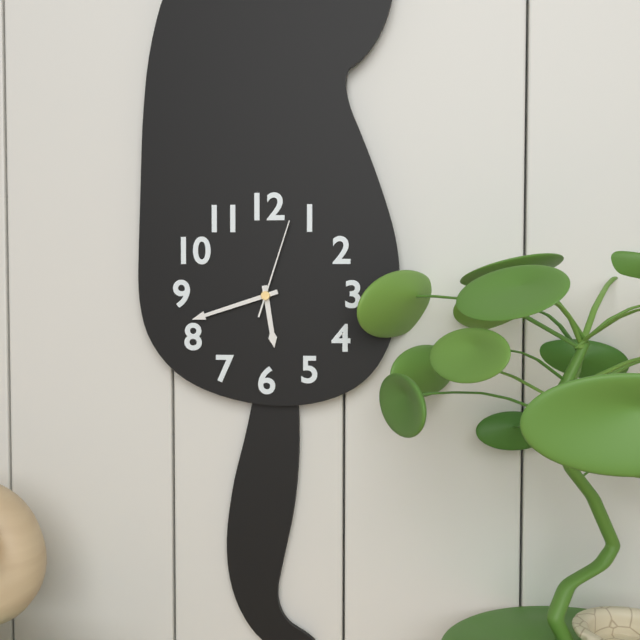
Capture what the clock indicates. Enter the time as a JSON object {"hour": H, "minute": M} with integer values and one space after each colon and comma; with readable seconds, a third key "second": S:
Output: {"hour": 5, "minute": 42, "second": 3}
